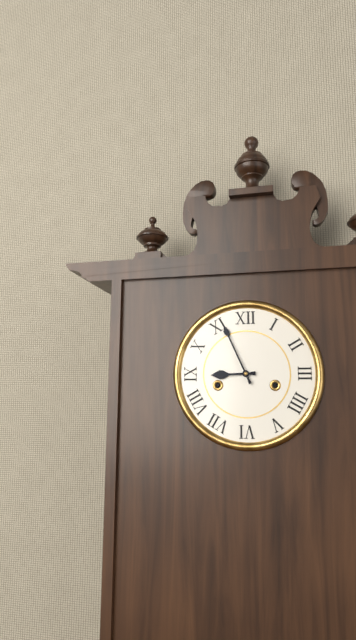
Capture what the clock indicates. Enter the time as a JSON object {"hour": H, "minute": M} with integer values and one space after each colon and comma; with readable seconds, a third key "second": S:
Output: {"hour": 8, "minute": 56}
